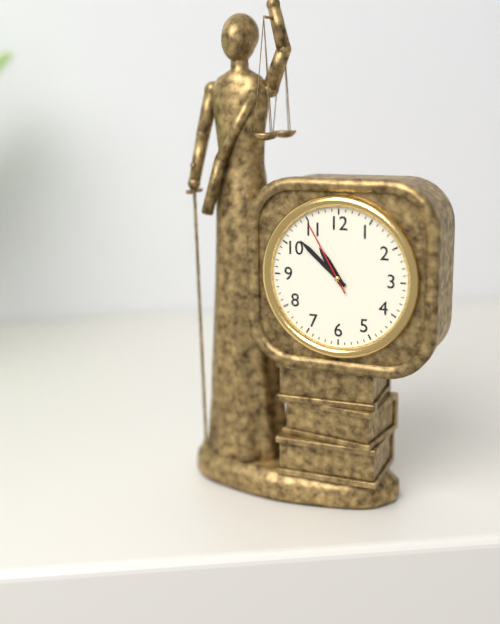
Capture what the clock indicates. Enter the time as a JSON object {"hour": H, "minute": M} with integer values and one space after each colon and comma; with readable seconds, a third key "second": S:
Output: {"hour": 10, "minute": 52, "second": 55}
